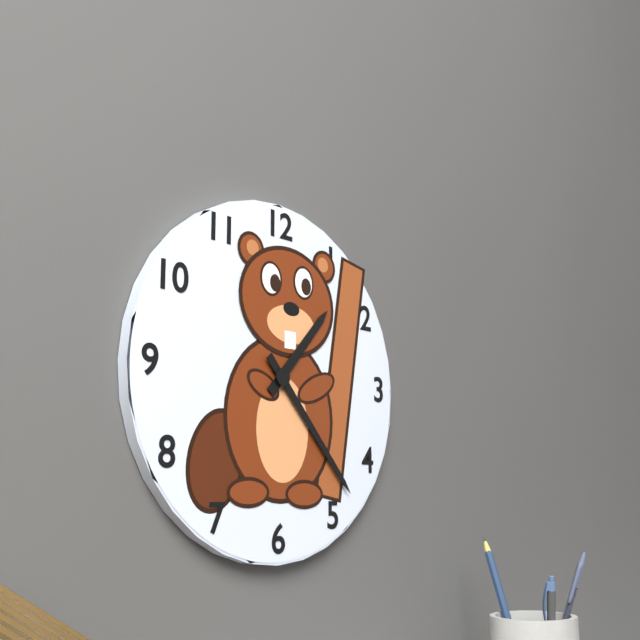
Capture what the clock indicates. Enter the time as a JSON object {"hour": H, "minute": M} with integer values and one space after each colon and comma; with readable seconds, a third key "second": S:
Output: {"hour": 1, "minute": 23}
